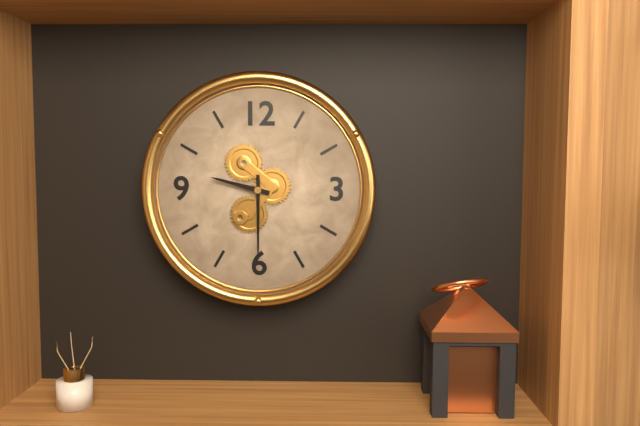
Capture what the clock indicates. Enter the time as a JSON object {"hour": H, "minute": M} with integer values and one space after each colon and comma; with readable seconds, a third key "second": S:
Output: {"hour": 9, "minute": 30}
